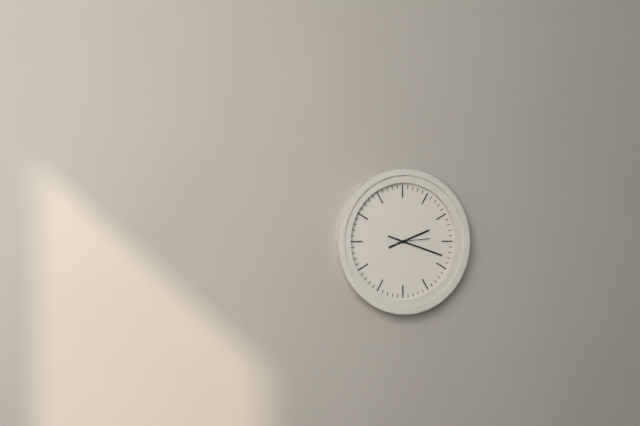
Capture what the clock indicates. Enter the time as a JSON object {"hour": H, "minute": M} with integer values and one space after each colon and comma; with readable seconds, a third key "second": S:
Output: {"hour": 2, "minute": 18}
